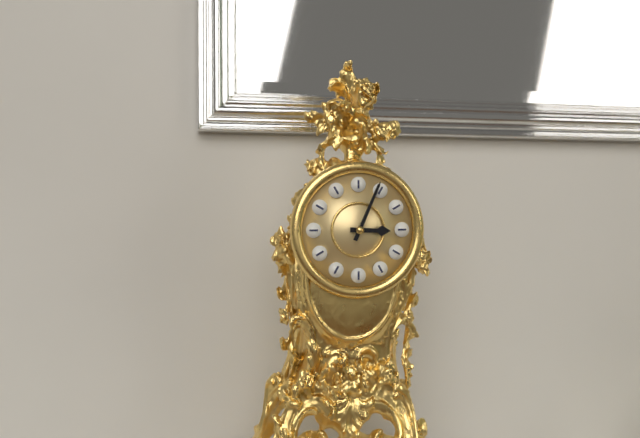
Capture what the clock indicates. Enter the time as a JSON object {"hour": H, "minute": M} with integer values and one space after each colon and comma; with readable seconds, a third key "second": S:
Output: {"hour": 3, "minute": 4}
